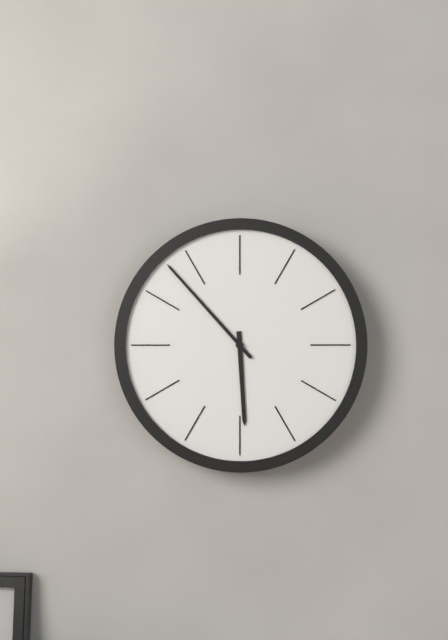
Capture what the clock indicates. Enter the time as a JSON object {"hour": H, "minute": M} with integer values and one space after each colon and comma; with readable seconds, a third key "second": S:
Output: {"hour": 5, "minute": 53}
